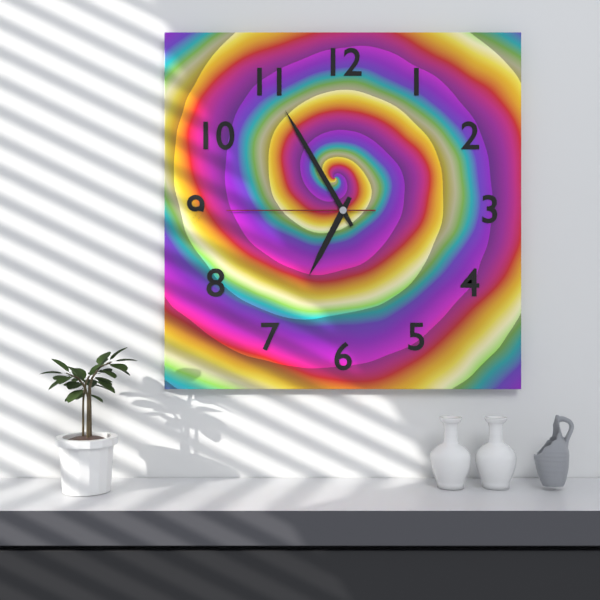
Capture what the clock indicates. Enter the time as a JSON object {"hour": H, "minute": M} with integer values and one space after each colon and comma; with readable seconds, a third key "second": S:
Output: {"hour": 6, "minute": 55, "second": 45}
